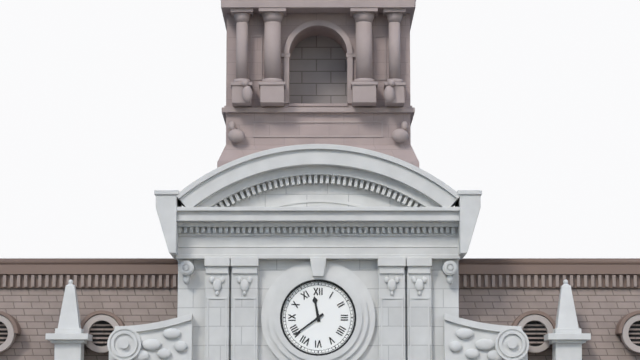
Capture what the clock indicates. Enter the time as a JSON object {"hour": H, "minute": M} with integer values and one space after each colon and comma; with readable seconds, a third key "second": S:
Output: {"hour": 11, "minute": 39}
